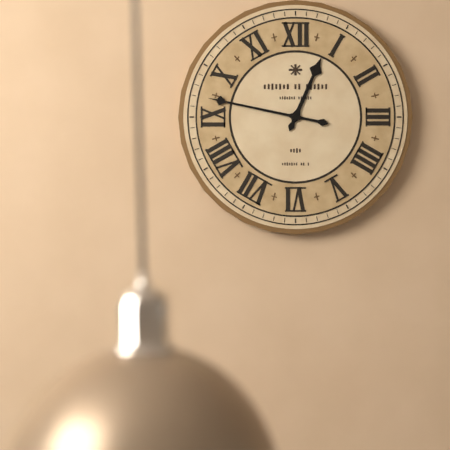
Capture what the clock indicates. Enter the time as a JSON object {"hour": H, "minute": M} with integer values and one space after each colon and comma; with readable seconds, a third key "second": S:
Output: {"hour": 12, "minute": 47}
